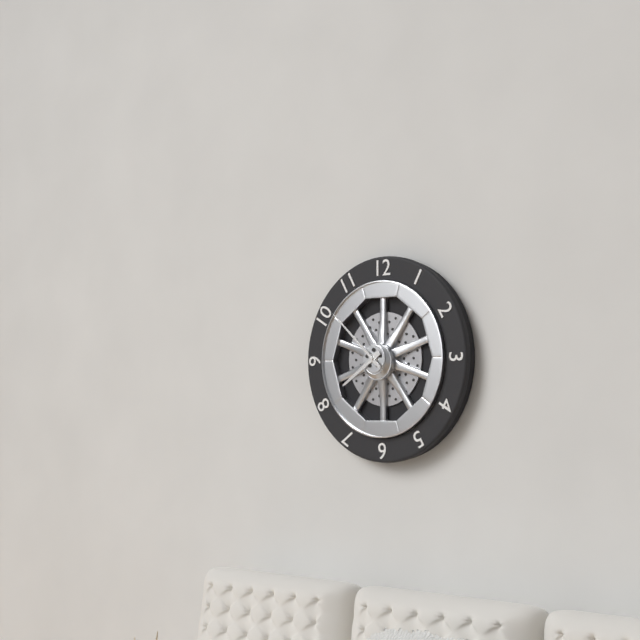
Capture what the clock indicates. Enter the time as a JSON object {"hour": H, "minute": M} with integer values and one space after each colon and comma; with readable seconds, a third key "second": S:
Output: {"hour": 7, "minute": 52}
